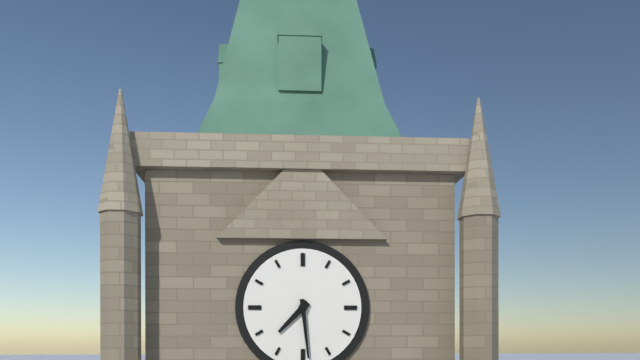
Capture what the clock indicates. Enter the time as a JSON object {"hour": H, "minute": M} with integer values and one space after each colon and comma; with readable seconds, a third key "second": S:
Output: {"hour": 7, "minute": 29}
